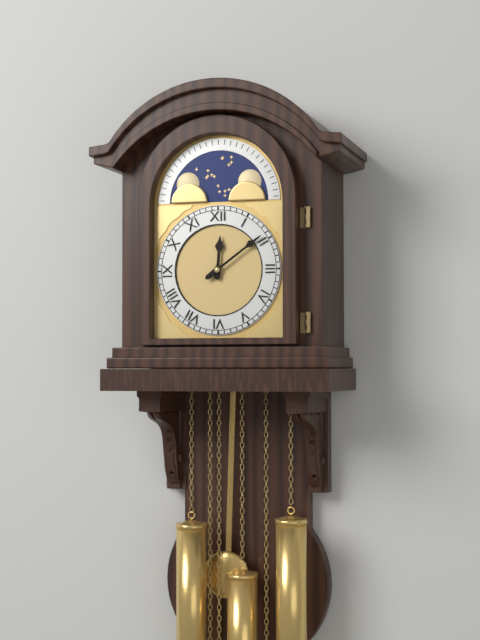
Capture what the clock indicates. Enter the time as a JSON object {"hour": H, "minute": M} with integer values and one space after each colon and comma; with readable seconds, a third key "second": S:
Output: {"hour": 12, "minute": 9}
